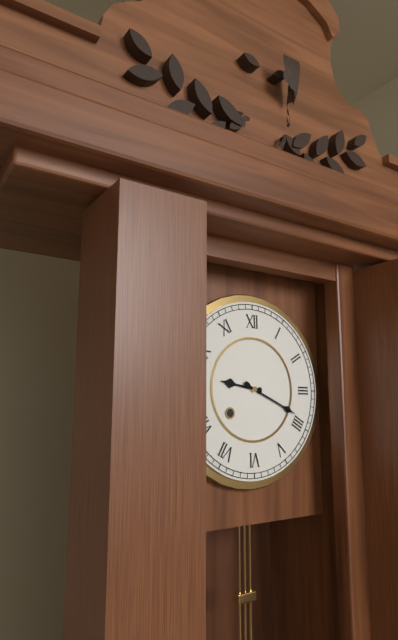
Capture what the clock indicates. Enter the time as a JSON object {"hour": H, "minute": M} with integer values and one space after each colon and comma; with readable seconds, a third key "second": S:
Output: {"hour": 9, "minute": 19}
